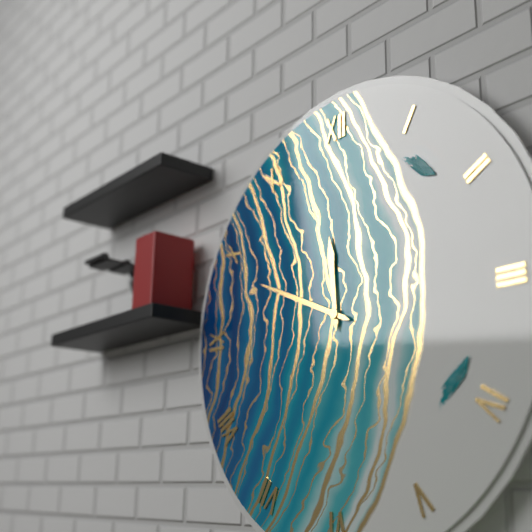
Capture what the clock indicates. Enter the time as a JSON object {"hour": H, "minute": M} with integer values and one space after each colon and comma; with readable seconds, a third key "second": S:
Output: {"hour": 11, "minute": 49}
